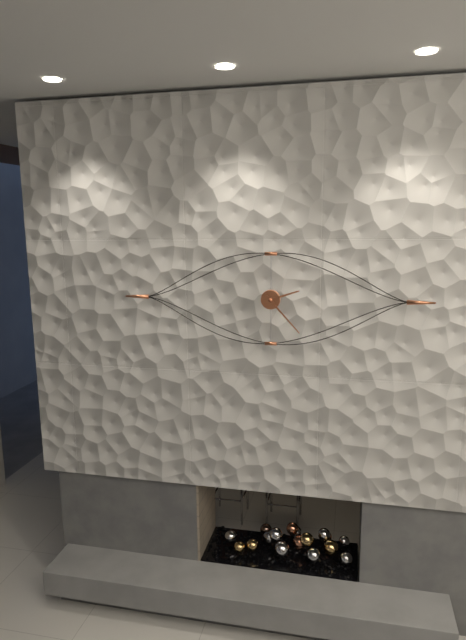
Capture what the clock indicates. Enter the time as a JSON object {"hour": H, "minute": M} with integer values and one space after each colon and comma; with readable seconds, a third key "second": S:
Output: {"hour": 2, "minute": 23}
